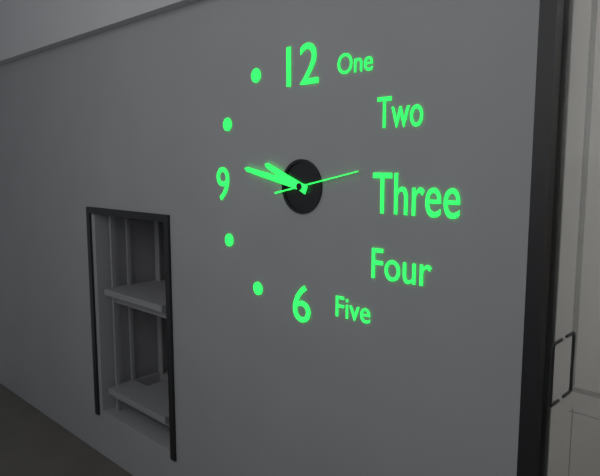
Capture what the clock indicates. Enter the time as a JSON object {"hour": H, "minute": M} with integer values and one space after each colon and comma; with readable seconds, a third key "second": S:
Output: {"hour": 9, "minute": 47, "second": 13}
